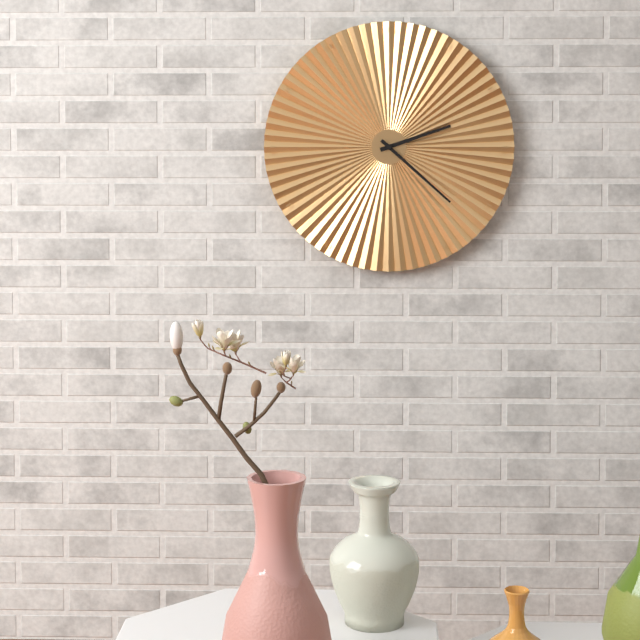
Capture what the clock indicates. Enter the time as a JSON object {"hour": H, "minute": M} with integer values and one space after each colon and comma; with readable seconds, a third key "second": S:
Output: {"hour": 2, "minute": 22}
